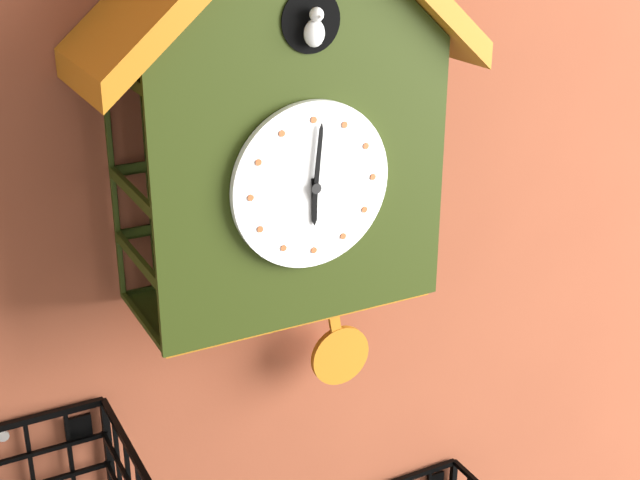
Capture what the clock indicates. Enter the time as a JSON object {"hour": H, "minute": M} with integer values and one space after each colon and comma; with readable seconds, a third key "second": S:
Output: {"hour": 6, "minute": 1}
